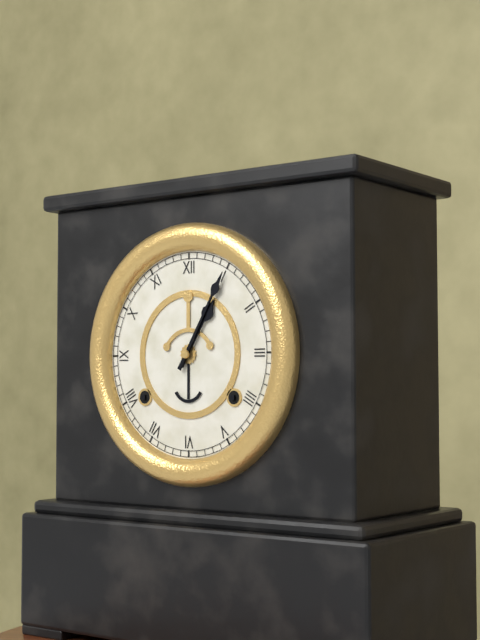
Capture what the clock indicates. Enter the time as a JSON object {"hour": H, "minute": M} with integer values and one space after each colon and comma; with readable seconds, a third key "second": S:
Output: {"hour": 1, "minute": 5}
